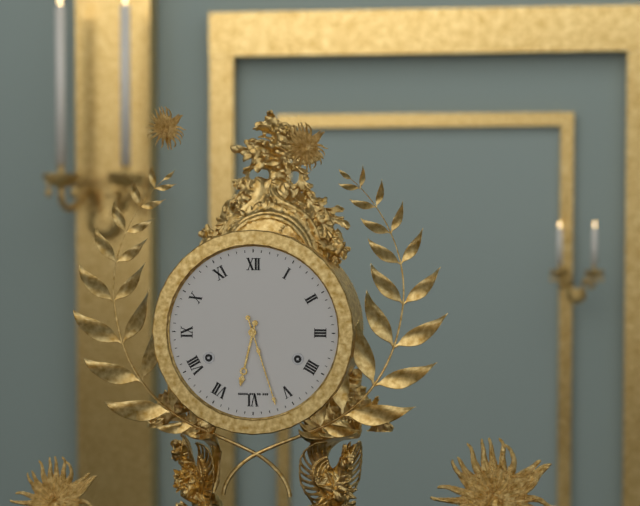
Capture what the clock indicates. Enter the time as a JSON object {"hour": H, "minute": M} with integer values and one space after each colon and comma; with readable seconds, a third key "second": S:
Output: {"hour": 6, "minute": 27}
